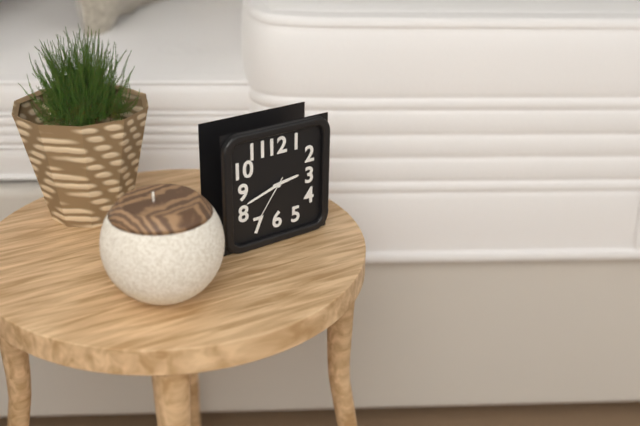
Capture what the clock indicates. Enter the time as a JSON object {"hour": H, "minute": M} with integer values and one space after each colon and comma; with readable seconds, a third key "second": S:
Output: {"hour": 2, "minute": 42, "second": 36}
